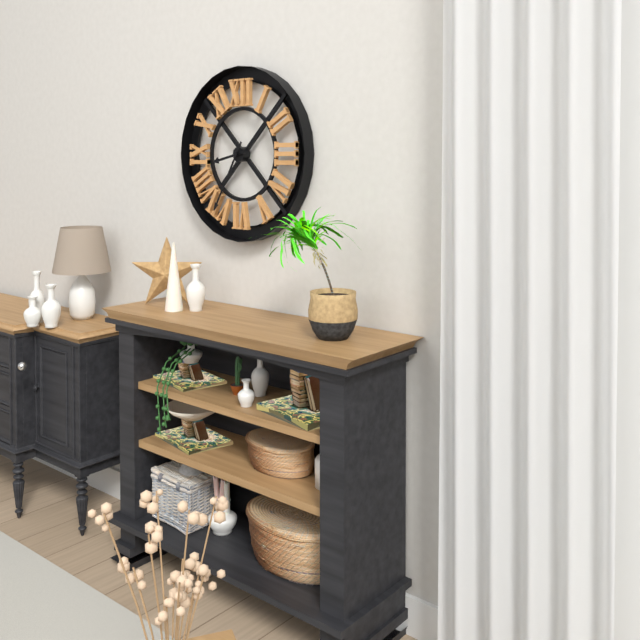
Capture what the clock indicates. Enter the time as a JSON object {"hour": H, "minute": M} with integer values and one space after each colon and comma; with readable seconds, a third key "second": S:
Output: {"hour": 8, "minute": 35}
